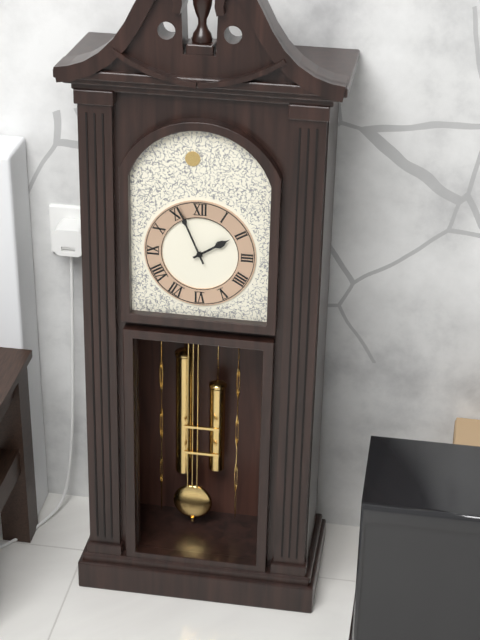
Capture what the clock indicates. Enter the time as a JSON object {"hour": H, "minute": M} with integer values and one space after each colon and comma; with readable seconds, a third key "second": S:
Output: {"hour": 1, "minute": 56}
